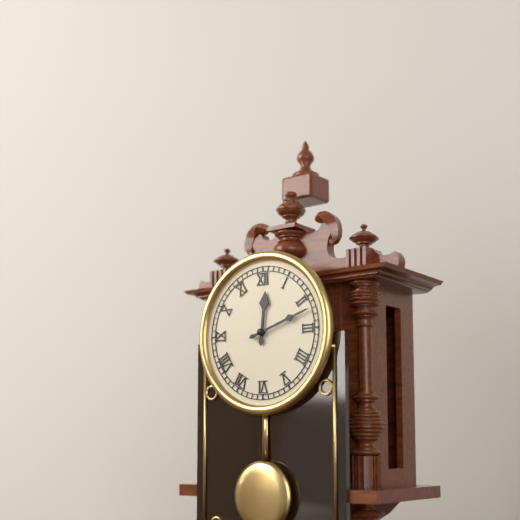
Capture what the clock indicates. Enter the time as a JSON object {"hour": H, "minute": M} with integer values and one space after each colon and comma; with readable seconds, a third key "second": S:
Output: {"hour": 12, "minute": 12}
